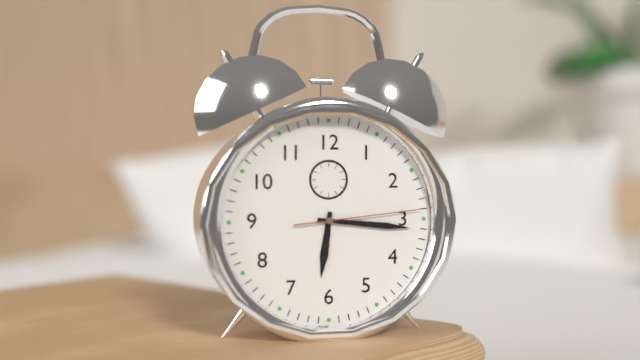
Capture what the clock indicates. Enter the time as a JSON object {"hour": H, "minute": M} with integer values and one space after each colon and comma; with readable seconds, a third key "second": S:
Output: {"hour": 6, "minute": 16, "second": 14}
